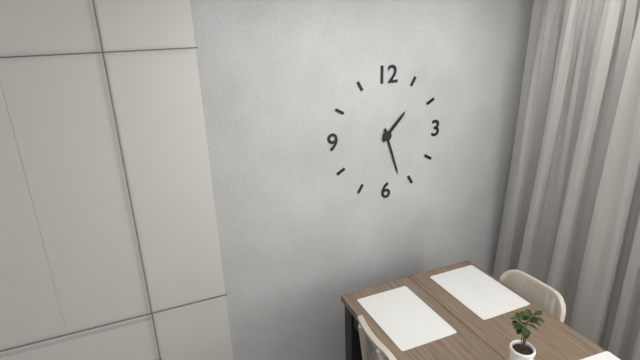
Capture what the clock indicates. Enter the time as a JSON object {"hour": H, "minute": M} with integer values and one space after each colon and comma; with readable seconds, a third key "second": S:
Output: {"hour": 1, "minute": 27}
